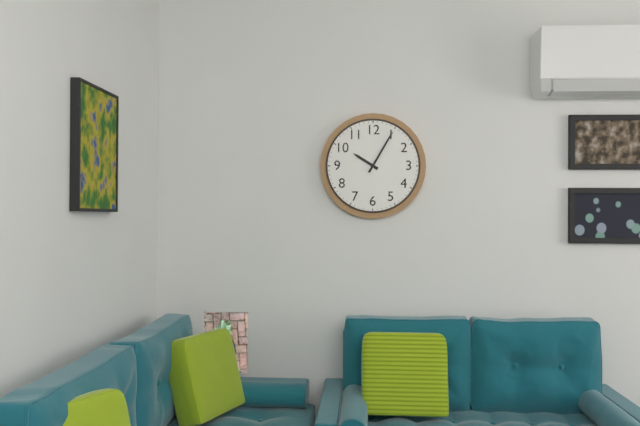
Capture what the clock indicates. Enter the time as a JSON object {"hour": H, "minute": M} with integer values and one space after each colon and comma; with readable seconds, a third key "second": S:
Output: {"hour": 10, "minute": 5}
